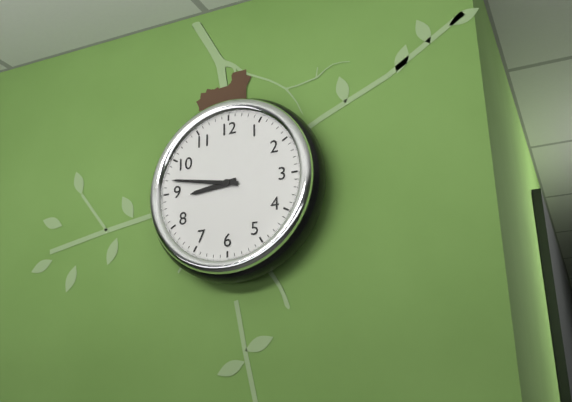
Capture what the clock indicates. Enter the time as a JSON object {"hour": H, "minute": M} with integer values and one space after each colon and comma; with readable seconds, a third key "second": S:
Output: {"hour": 8, "minute": 47}
